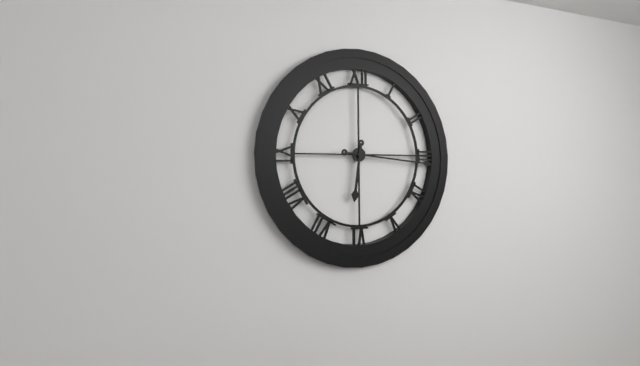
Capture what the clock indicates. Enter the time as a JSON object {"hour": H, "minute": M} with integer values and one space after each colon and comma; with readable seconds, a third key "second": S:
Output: {"hour": 6, "minute": 16}
